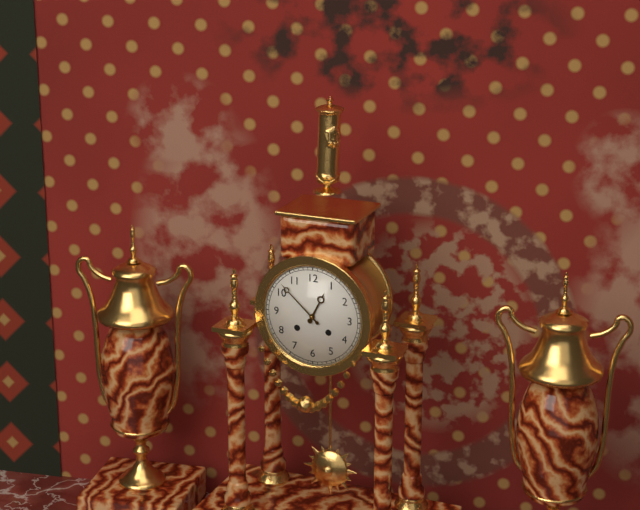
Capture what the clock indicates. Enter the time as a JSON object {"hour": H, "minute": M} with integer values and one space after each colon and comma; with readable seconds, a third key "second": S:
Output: {"hour": 12, "minute": 52}
